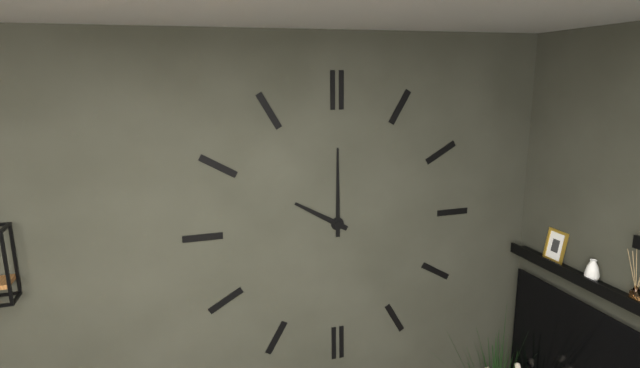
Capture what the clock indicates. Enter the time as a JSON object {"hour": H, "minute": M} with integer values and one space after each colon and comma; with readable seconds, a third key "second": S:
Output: {"hour": 10, "minute": 0}
